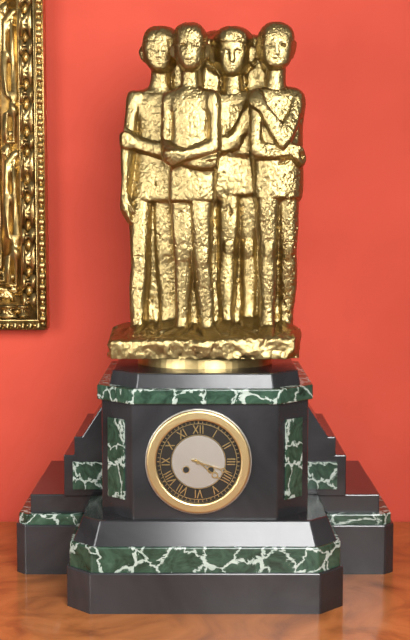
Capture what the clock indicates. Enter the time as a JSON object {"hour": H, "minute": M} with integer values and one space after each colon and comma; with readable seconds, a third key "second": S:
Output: {"hour": 4, "minute": 18}
